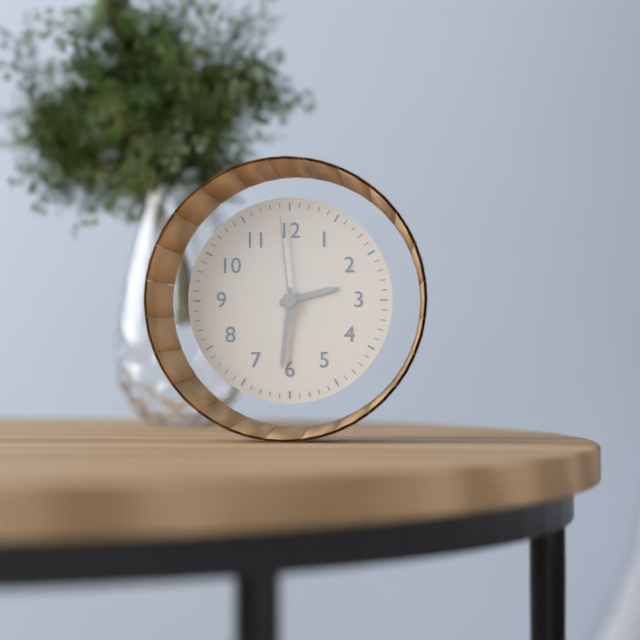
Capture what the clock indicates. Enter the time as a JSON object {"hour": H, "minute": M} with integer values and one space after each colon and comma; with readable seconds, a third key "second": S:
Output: {"hour": 2, "minute": 31, "second": 59}
